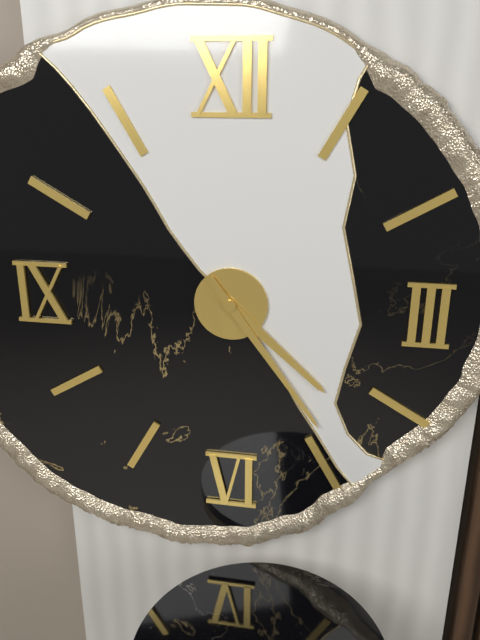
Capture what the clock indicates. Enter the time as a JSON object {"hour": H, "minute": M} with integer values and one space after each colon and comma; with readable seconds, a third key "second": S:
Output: {"hour": 4, "minute": 24}
